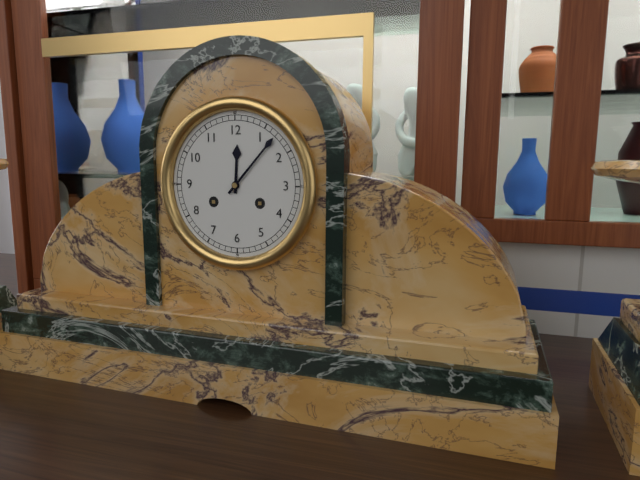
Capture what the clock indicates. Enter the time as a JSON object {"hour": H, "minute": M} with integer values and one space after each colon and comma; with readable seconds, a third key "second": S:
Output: {"hour": 12, "minute": 7}
